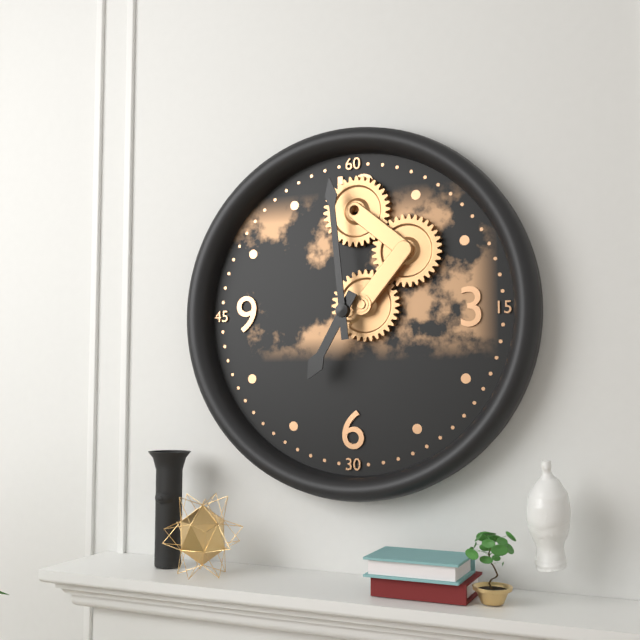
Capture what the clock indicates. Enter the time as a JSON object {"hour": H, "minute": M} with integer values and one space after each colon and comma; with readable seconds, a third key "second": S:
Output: {"hour": 6, "minute": 59}
